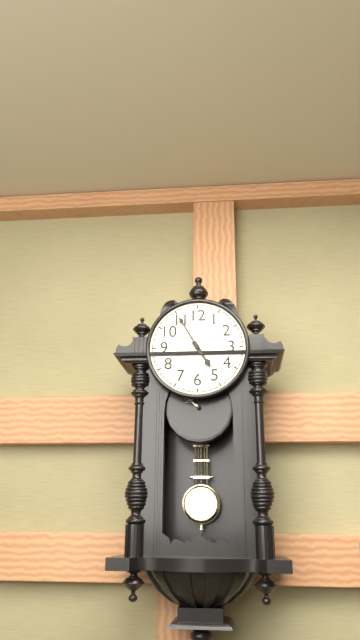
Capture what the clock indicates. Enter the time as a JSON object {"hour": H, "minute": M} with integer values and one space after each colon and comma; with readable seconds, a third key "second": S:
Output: {"hour": 4, "minute": 55}
